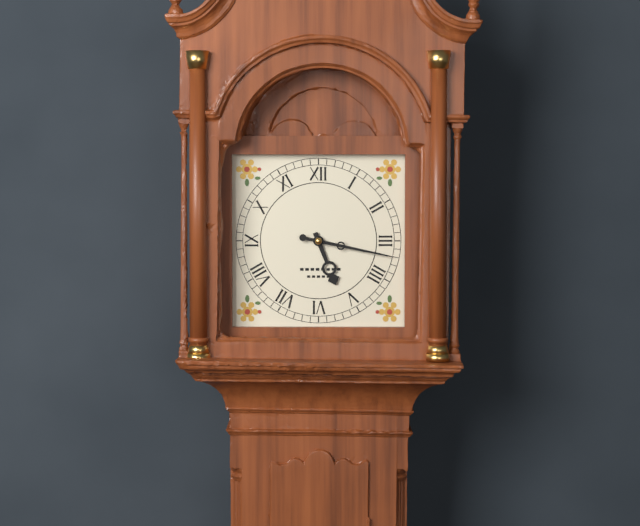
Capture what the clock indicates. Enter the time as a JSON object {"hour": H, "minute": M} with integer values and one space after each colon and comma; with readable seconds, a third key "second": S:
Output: {"hour": 5, "minute": 17}
